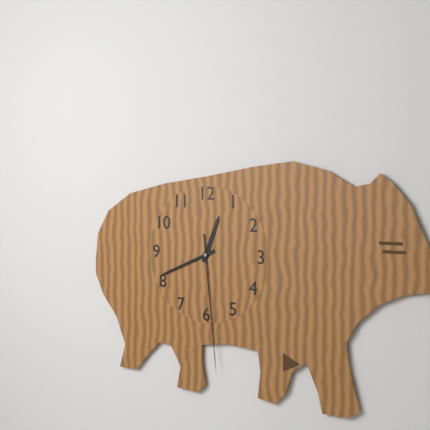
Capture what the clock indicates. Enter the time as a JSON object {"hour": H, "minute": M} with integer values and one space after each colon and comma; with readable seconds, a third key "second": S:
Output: {"hour": 12, "minute": 41, "second": 29}
